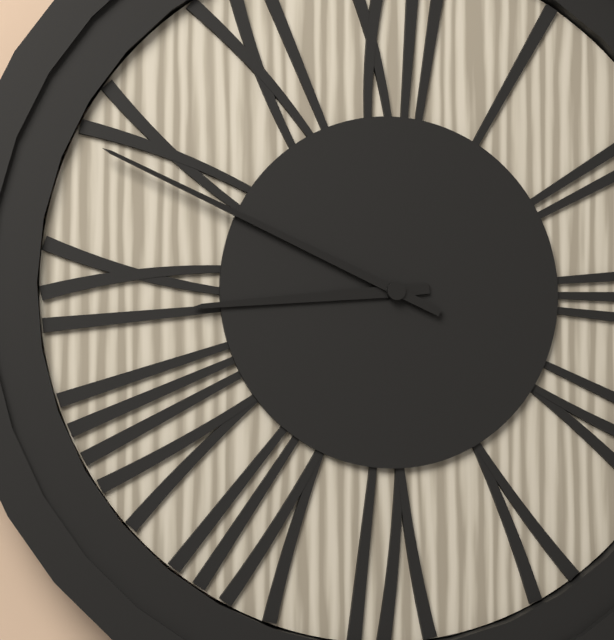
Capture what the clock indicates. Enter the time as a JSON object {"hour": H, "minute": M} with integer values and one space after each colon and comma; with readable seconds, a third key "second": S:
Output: {"hour": 8, "minute": 49}
